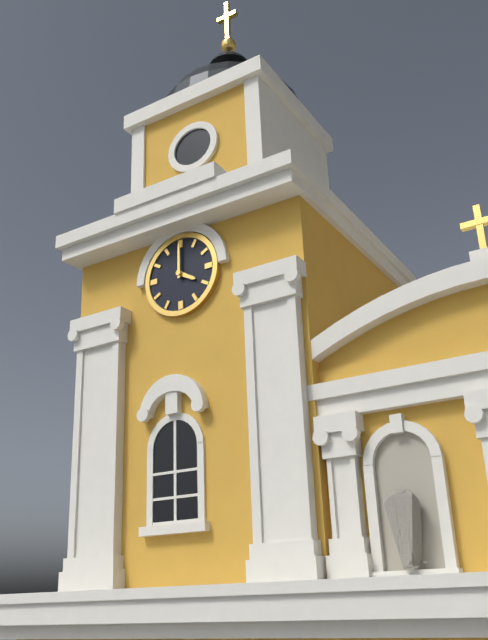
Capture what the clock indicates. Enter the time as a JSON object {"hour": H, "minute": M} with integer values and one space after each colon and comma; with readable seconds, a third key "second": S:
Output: {"hour": 4, "minute": 0}
